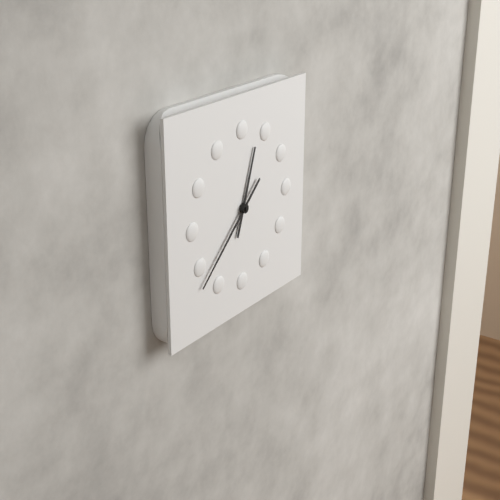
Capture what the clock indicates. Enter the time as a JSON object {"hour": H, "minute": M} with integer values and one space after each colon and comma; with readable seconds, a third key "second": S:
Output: {"hour": 12, "minute": 38}
